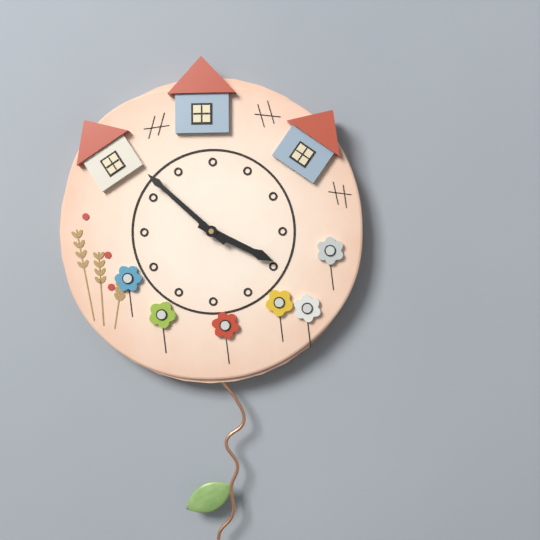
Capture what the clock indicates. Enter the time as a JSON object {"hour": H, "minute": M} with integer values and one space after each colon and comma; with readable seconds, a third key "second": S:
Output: {"hour": 3, "minute": 52}
